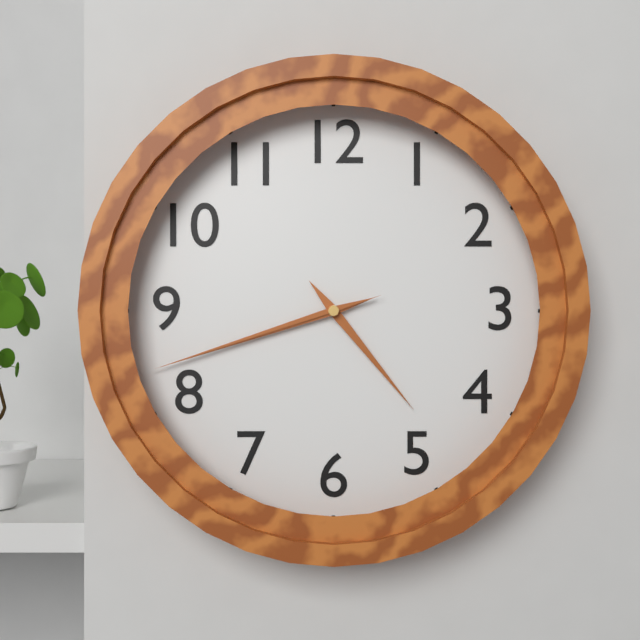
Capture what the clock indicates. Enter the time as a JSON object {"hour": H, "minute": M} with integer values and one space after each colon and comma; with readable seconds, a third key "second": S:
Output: {"hour": 4, "minute": 42, "second": 42}
